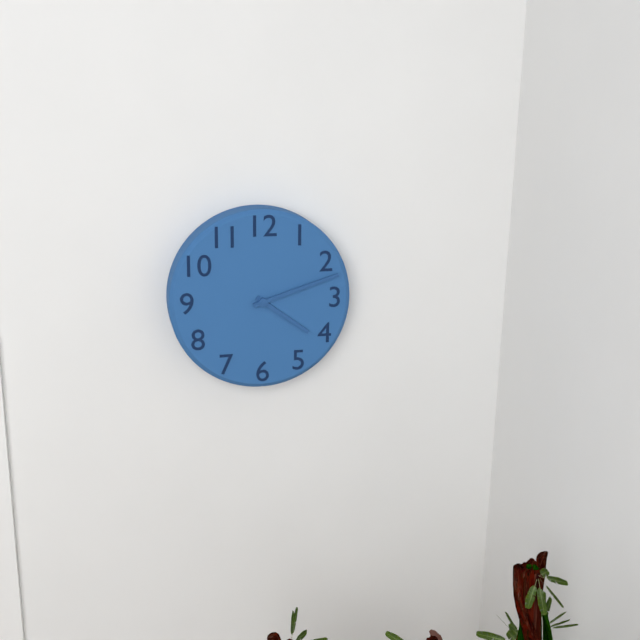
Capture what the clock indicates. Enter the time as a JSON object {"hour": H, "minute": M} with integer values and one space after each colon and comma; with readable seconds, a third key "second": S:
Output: {"hour": 4, "minute": 12}
